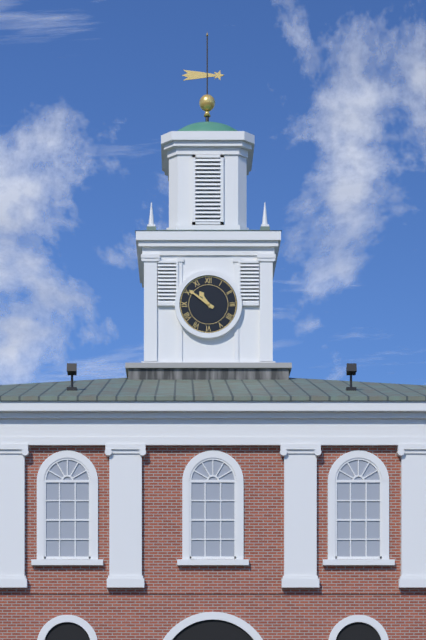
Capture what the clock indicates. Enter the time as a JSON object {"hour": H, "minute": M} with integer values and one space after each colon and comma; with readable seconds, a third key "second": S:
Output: {"hour": 10, "minute": 51}
